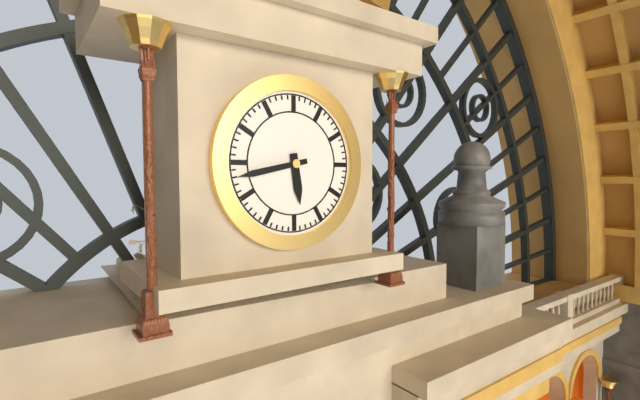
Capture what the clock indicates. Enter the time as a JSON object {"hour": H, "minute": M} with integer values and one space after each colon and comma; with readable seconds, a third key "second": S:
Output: {"hour": 5, "minute": 43}
